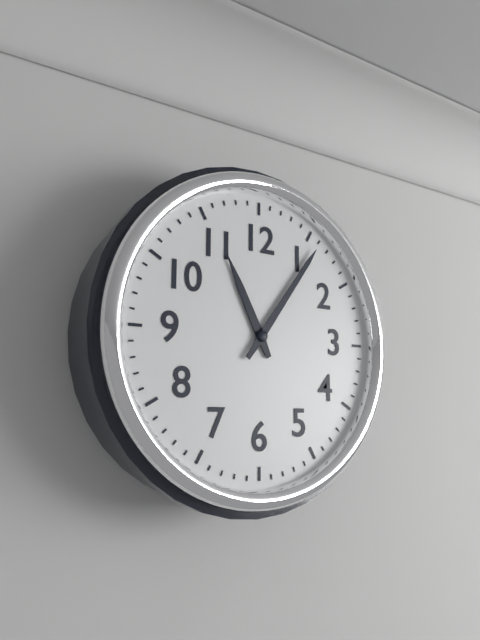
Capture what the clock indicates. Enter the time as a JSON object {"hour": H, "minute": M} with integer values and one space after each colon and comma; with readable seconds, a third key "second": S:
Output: {"hour": 11, "minute": 6}
